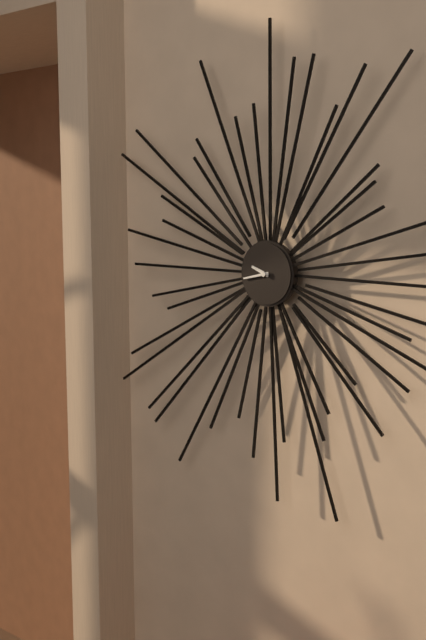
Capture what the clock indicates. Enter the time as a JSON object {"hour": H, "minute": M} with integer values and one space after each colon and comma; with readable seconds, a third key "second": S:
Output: {"hour": 9, "minute": 43}
